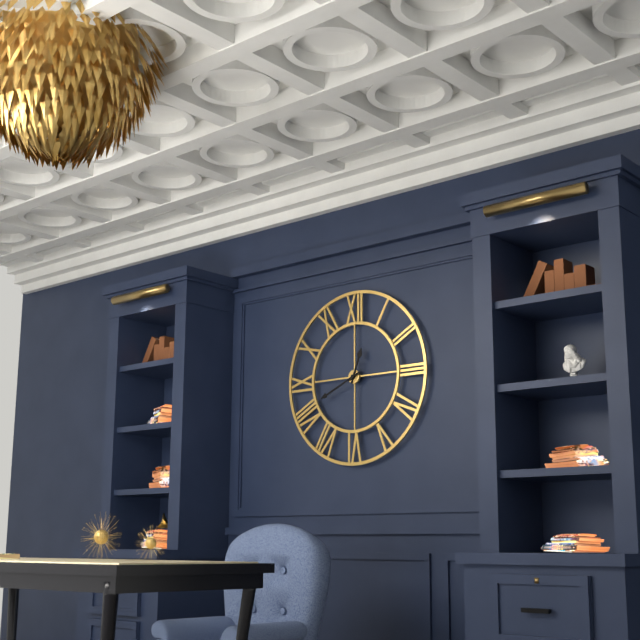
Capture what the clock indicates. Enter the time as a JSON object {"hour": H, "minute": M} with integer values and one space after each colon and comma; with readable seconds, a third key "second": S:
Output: {"hour": 12, "minute": 41}
